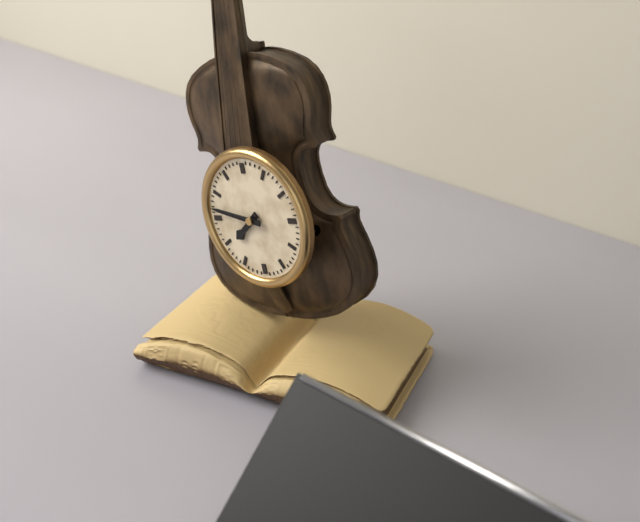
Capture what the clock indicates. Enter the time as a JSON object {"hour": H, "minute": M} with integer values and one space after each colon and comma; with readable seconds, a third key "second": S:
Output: {"hour": 7, "minute": 47}
